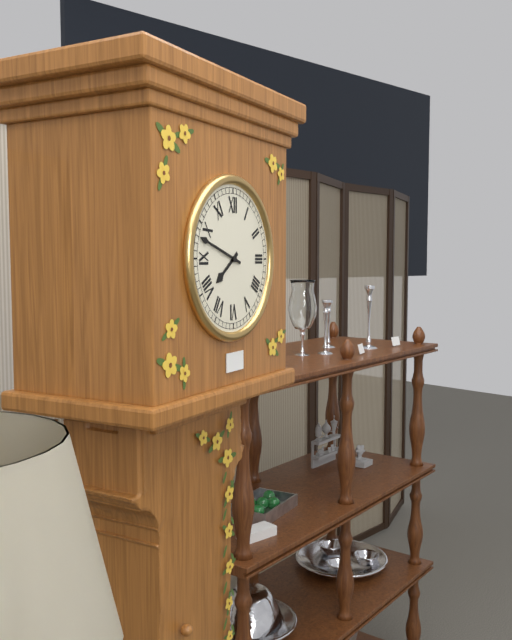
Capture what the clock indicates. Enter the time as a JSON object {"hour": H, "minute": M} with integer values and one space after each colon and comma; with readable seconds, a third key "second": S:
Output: {"hour": 7, "minute": 48}
